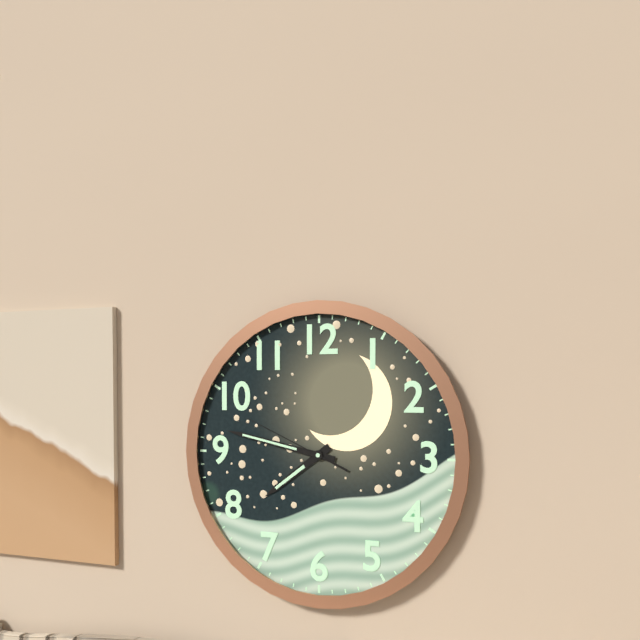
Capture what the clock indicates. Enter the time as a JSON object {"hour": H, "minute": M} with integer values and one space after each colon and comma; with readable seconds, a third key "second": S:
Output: {"hour": 7, "minute": 47, "second": 49}
